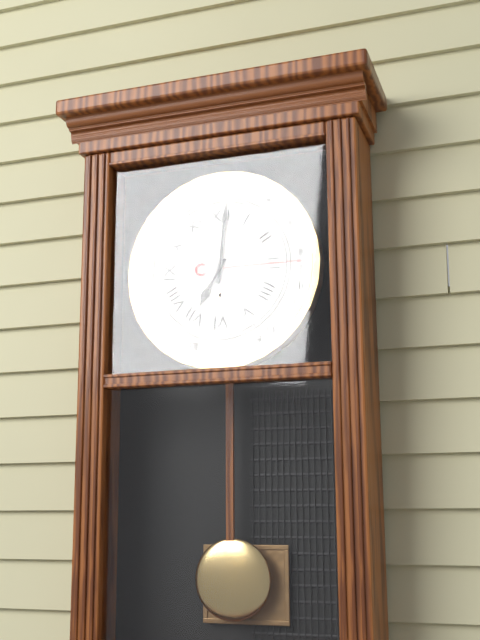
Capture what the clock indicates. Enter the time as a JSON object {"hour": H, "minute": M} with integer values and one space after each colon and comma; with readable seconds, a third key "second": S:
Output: {"hour": 7, "minute": 1}
